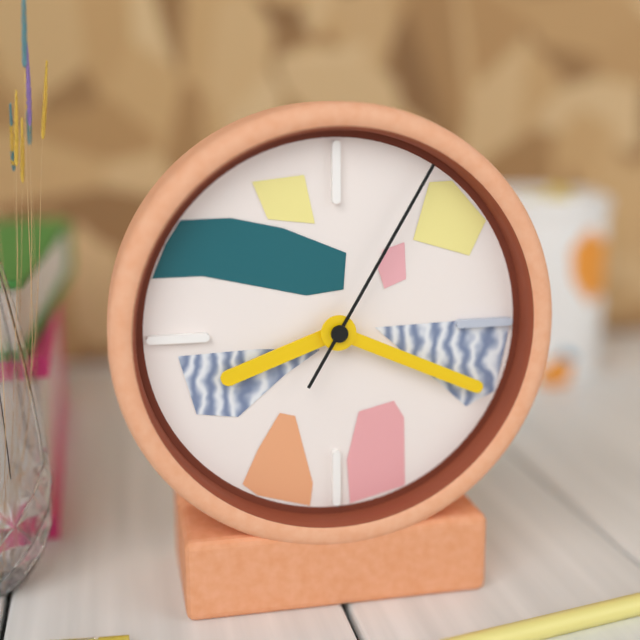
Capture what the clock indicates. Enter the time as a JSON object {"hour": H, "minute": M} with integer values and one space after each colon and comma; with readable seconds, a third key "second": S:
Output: {"hour": 8, "minute": 19, "second": 5}
